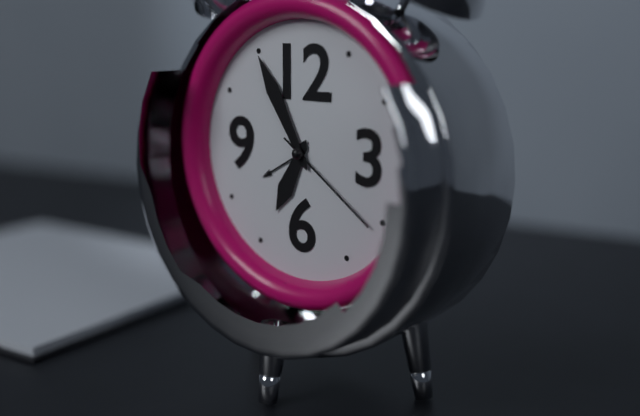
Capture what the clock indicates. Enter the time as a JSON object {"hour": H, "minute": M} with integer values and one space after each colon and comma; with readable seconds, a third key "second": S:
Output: {"hour": 6, "minute": 55, "second": 21}
